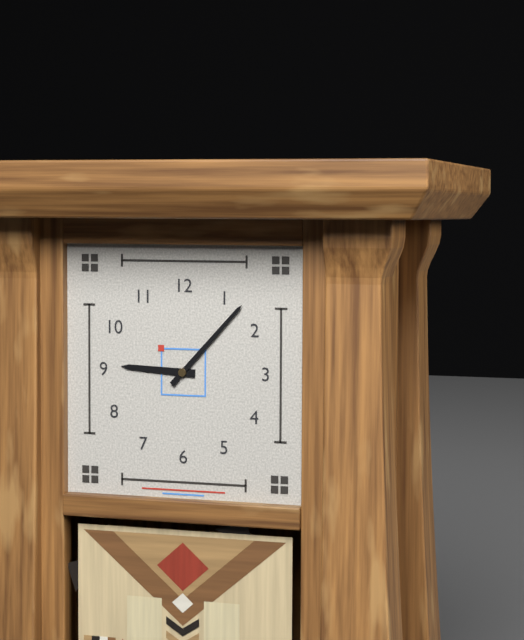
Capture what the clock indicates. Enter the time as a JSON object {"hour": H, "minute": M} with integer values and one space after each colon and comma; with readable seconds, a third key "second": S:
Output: {"hour": 9, "minute": 7}
